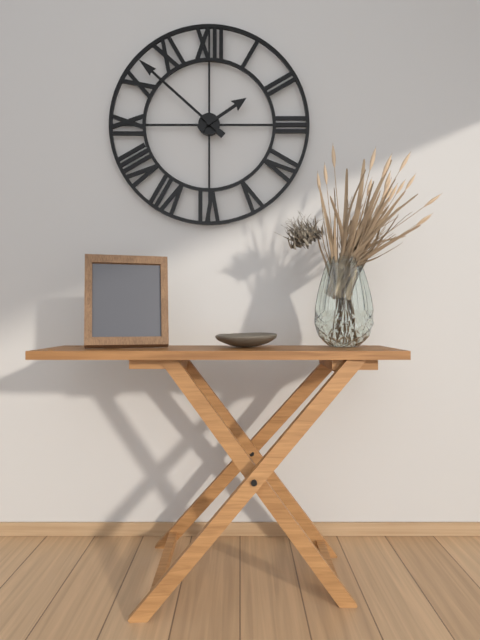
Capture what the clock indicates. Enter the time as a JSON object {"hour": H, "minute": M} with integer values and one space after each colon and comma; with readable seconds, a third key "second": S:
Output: {"hour": 1, "minute": 52}
